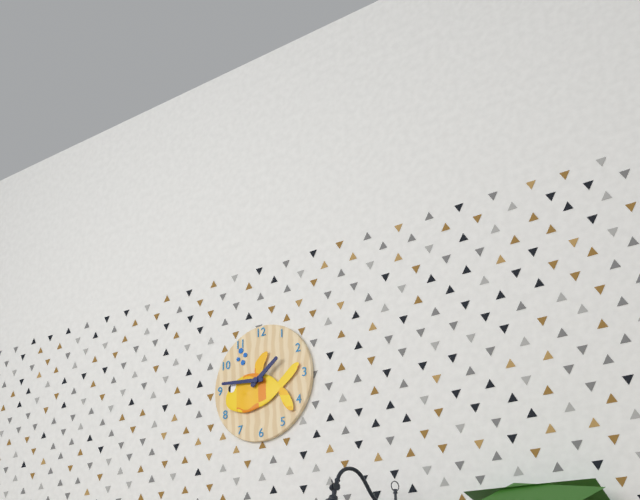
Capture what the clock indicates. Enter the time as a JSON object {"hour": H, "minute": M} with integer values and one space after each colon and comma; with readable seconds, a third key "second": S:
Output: {"hour": 1, "minute": 46}
